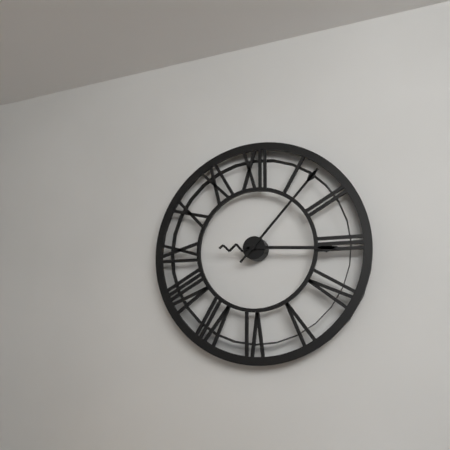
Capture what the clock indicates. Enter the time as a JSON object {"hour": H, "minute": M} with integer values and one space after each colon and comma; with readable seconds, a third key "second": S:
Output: {"hour": 3, "minute": 7}
